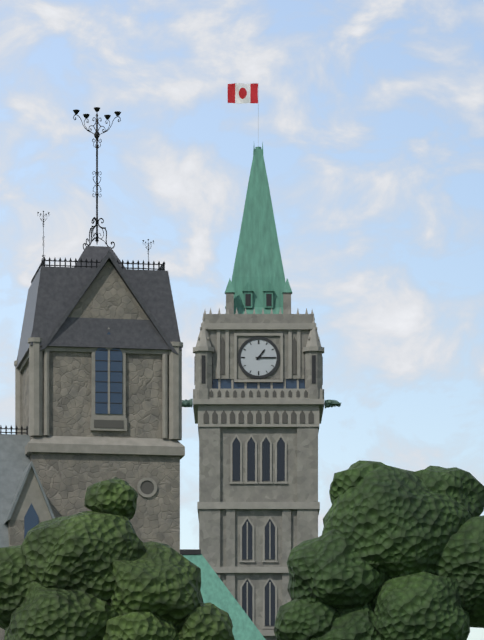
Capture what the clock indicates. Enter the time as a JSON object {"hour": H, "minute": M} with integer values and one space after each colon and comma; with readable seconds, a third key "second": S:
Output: {"hour": 1, "minute": 15}
